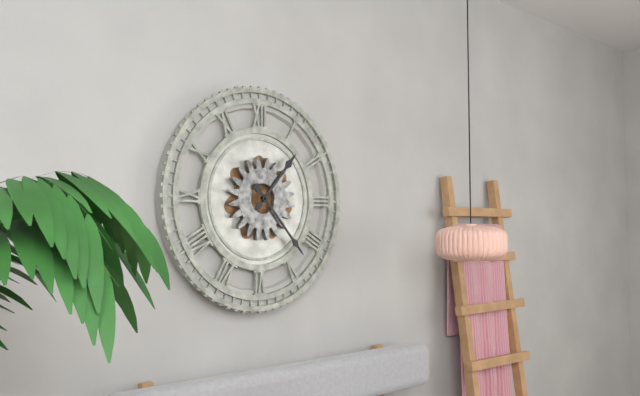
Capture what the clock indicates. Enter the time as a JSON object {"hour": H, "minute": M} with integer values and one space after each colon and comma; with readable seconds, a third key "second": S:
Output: {"hour": 1, "minute": 23}
